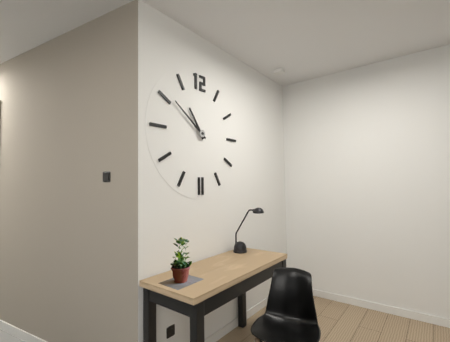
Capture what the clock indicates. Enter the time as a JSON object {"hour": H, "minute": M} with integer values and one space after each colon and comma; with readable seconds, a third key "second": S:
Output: {"hour": 10, "minute": 51}
